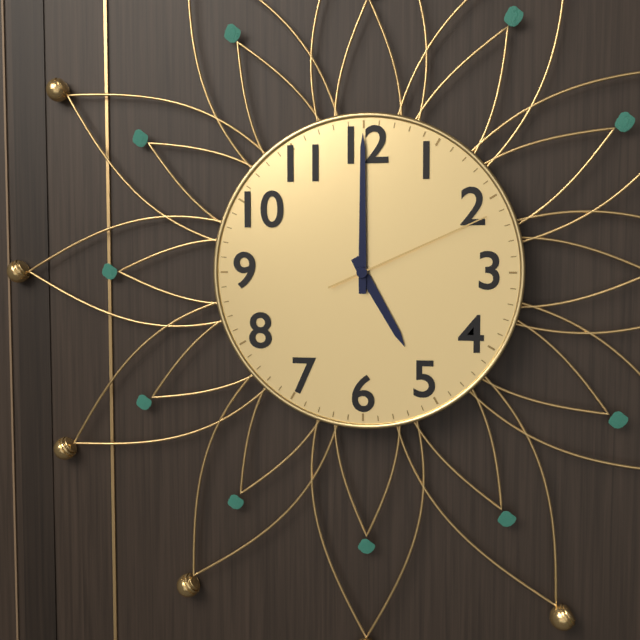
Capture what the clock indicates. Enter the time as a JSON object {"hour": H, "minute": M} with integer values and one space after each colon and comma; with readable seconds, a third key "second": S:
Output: {"hour": 5, "minute": 0, "second": 11}
